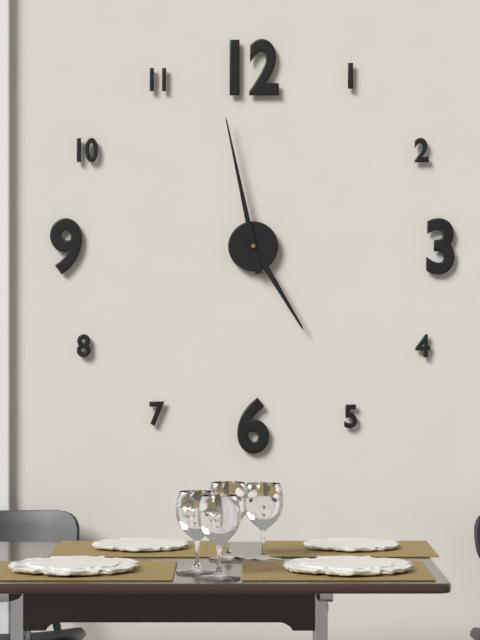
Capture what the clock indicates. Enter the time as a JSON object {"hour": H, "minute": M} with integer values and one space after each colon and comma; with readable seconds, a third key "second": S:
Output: {"hour": 4, "minute": 58}
